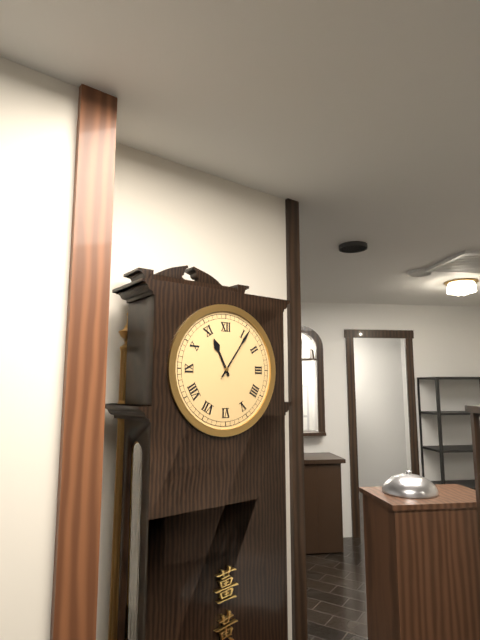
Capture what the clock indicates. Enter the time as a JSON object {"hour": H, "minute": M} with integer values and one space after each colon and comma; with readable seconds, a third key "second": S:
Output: {"hour": 11, "minute": 6}
